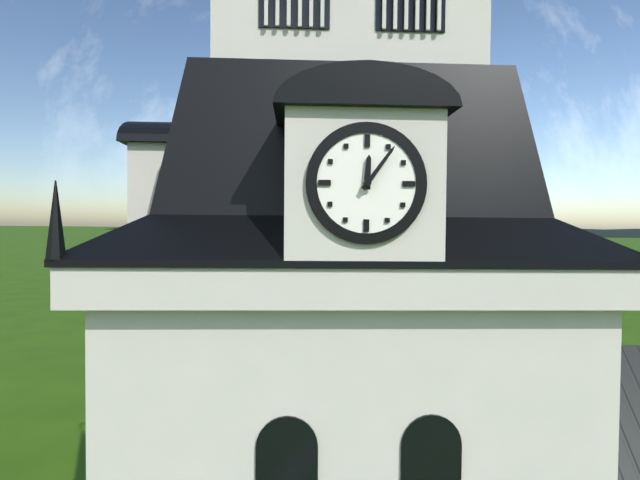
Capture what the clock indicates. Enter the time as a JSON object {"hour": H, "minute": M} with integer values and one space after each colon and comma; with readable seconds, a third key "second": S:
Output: {"hour": 12, "minute": 6}
